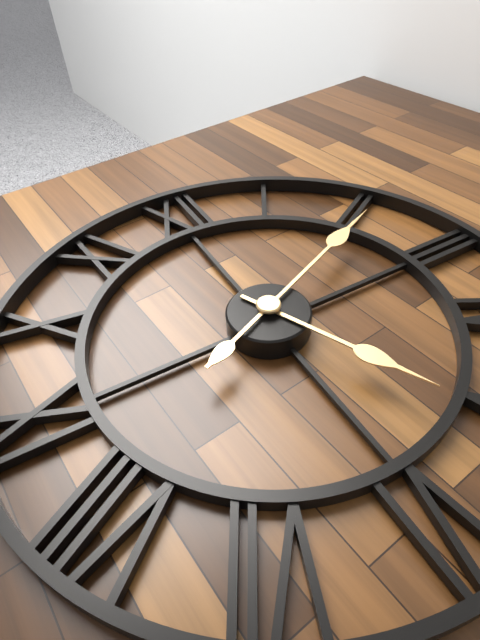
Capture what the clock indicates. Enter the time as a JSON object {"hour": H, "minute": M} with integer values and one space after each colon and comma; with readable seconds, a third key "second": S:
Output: {"hour": 5, "minute": 11}
